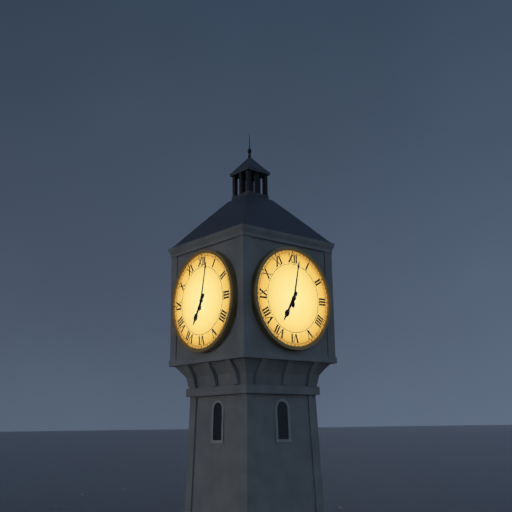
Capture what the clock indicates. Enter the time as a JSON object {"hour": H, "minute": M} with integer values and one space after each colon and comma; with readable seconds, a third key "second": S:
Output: {"hour": 7, "minute": 2}
